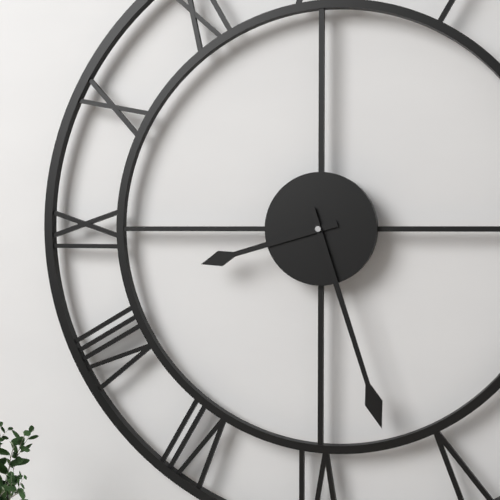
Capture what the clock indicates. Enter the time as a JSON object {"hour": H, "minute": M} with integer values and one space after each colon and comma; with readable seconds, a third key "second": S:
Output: {"hour": 8, "minute": 27}
